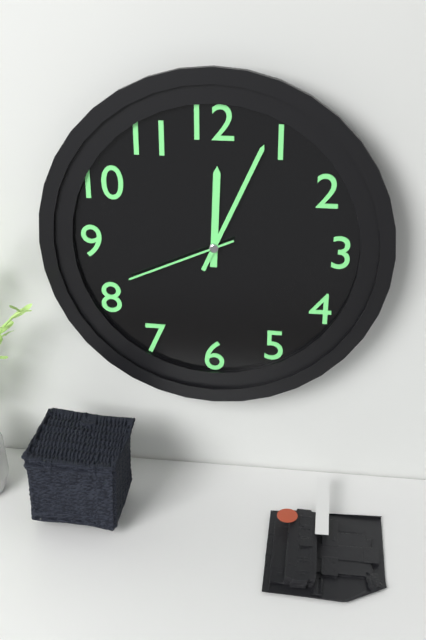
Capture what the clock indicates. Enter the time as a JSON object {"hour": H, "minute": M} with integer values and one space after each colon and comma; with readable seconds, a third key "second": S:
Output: {"hour": 12, "minute": 4, "second": 41}
